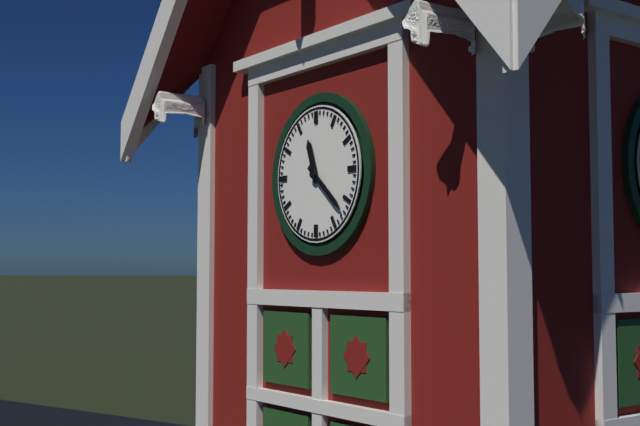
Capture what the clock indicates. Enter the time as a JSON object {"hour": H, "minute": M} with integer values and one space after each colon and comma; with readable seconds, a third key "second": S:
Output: {"hour": 11, "minute": 22}
